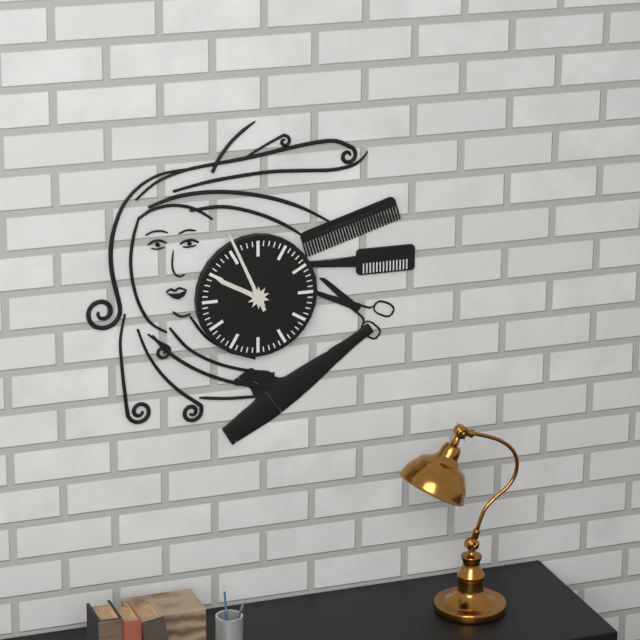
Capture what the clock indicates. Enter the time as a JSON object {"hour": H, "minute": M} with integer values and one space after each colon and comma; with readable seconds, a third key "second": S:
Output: {"hour": 9, "minute": 56}
